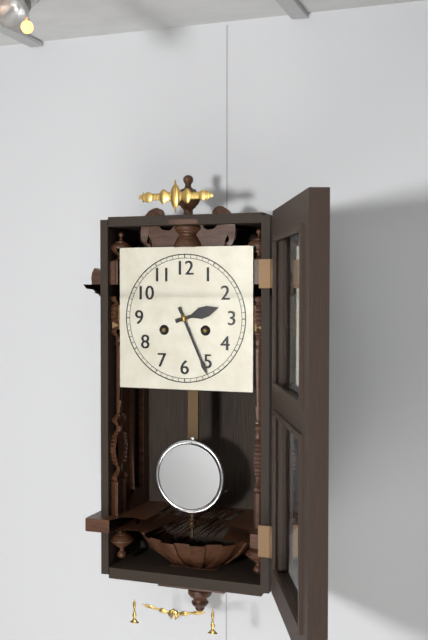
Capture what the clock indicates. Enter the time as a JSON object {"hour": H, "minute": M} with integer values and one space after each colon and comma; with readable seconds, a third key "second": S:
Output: {"hour": 2, "minute": 26}
